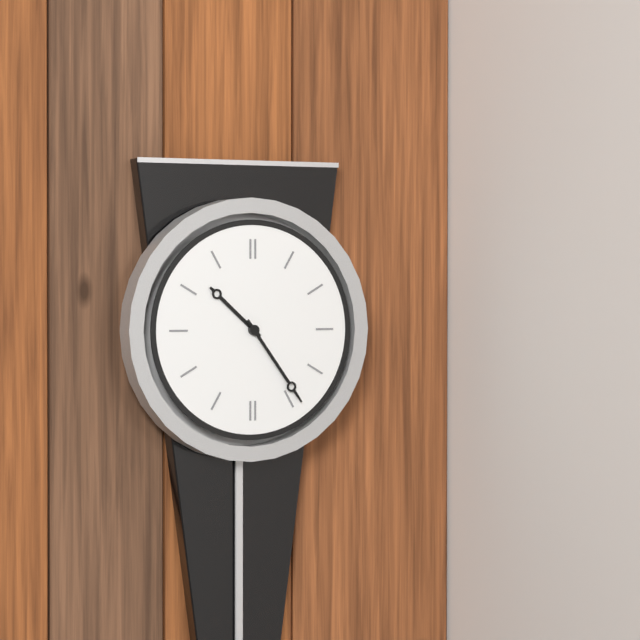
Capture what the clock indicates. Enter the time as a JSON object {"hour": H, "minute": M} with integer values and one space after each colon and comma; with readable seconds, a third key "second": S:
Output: {"hour": 10, "minute": 24}
